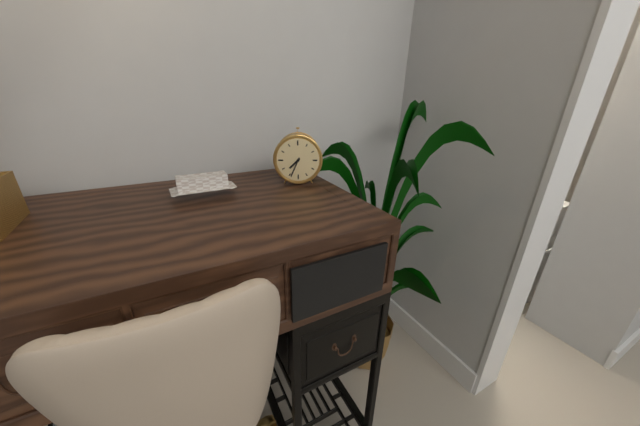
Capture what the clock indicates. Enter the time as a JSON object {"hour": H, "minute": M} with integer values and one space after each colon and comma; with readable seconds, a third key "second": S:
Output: {"hour": 7, "minute": 34}
